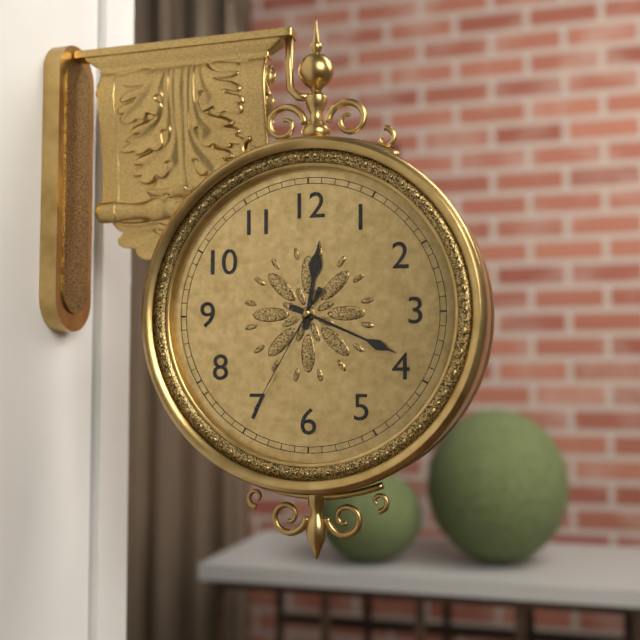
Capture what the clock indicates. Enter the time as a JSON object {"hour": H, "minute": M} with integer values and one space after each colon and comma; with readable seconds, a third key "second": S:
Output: {"hour": 12, "minute": 19, "second": 35}
